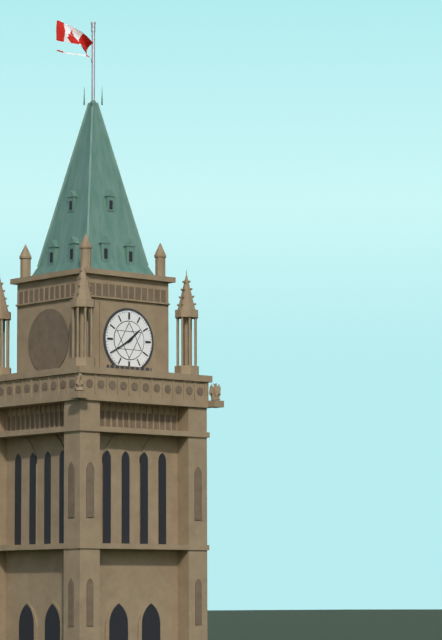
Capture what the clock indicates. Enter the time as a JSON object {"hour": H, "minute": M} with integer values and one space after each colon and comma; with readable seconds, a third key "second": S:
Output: {"hour": 1, "minute": 40}
